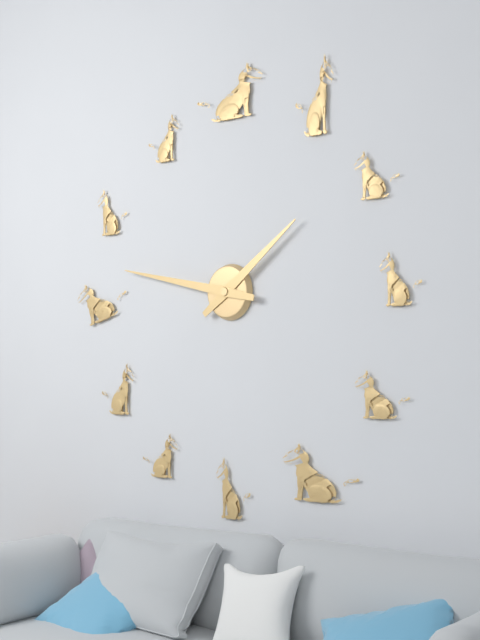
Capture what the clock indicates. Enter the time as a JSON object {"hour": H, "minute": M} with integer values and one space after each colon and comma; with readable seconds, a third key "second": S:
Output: {"hour": 1, "minute": 47}
